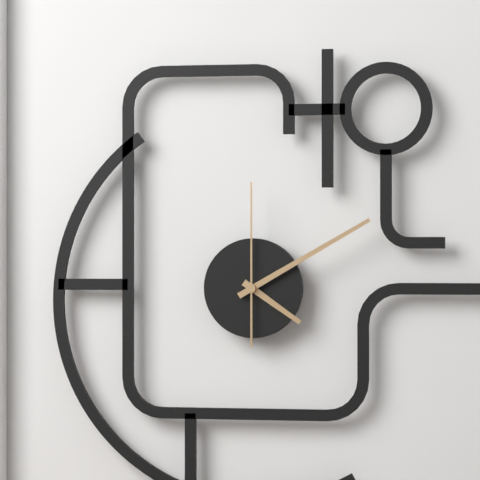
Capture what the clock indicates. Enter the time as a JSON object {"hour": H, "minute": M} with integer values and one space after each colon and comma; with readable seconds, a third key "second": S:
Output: {"hour": 4, "minute": 10, "second": 0}
